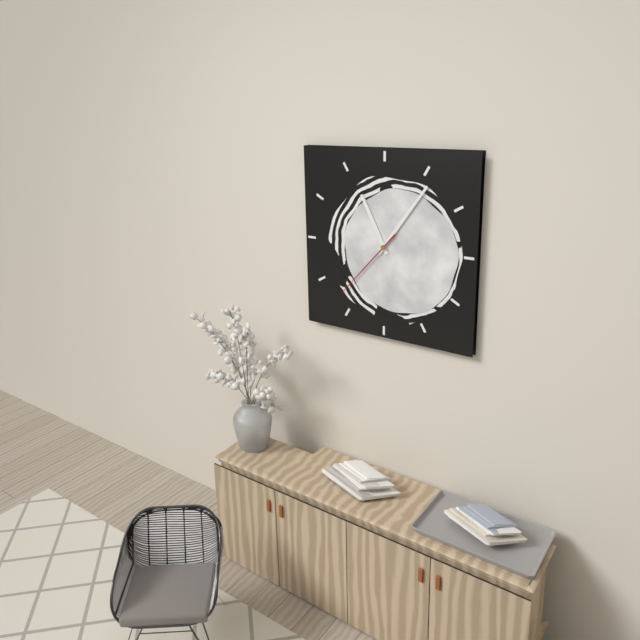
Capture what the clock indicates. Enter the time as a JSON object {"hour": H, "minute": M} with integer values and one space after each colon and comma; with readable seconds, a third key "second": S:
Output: {"hour": 11, "minute": 6, "second": 37}
